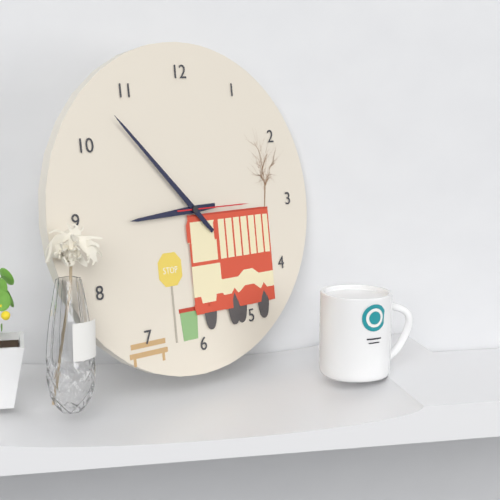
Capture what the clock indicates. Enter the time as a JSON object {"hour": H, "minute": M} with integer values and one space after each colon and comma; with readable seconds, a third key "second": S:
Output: {"hour": 8, "minute": 53, "second": 15}
